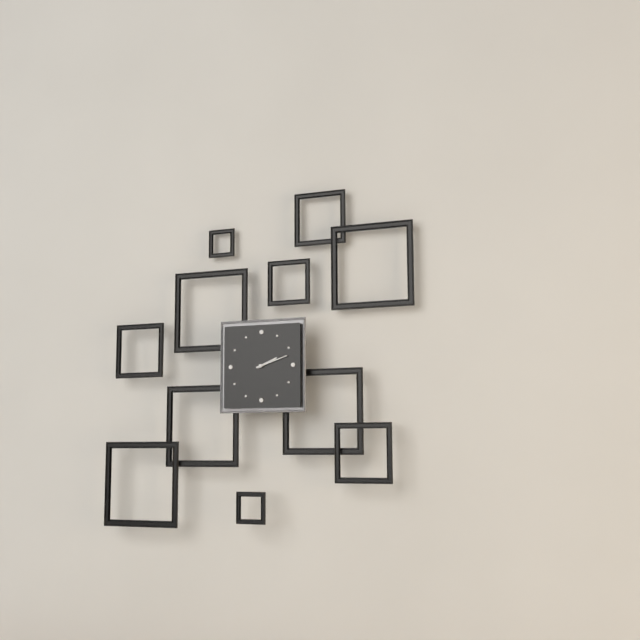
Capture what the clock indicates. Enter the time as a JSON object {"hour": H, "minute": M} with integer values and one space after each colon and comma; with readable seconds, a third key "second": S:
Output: {"hour": 2, "minute": 12}
